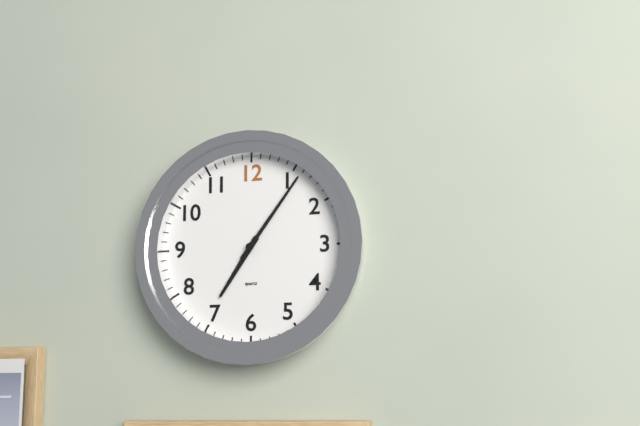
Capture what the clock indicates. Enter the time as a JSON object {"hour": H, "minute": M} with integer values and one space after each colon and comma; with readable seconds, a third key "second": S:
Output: {"hour": 7, "minute": 6}
